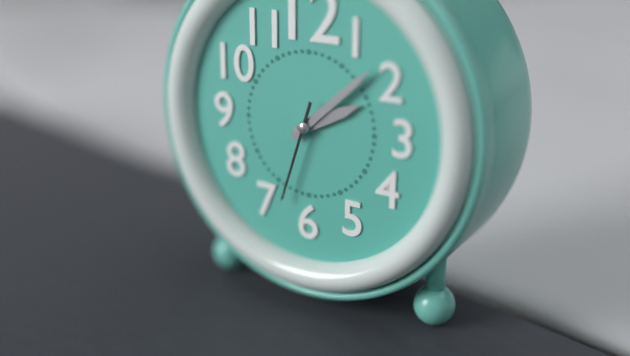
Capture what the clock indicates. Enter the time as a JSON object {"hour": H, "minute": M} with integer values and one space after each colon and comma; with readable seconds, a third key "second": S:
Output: {"hour": 2, "minute": 8, "second": 33}
